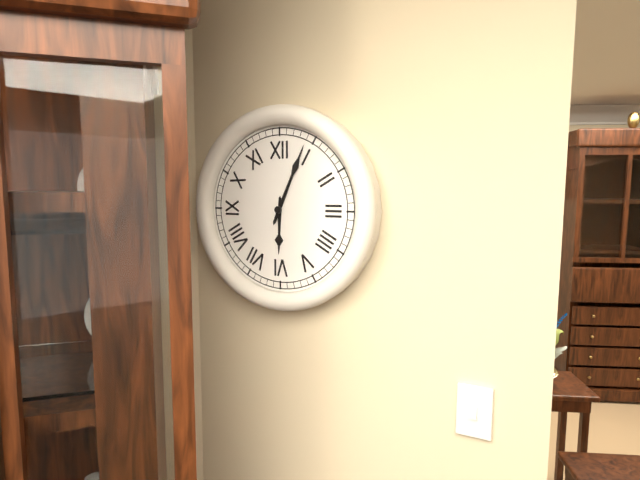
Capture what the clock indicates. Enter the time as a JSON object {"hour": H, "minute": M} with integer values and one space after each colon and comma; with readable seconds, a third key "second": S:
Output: {"hour": 6, "minute": 4}
